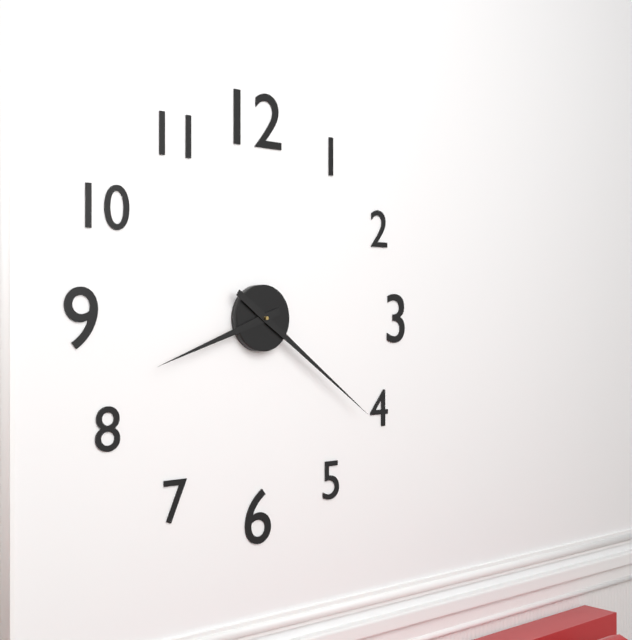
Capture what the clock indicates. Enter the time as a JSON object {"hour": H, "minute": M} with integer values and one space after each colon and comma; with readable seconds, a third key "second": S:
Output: {"hour": 8, "minute": 21}
